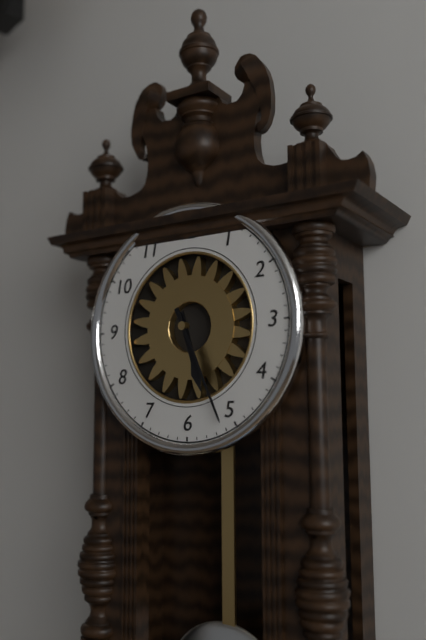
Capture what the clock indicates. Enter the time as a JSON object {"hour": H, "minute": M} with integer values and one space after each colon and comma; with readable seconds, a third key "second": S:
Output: {"hour": 5, "minute": 26}
